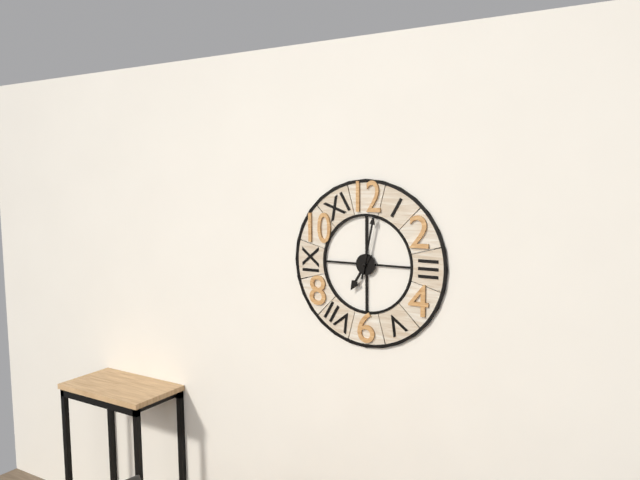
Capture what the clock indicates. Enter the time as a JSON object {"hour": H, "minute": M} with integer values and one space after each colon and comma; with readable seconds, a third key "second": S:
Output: {"hour": 7, "minute": 2}
